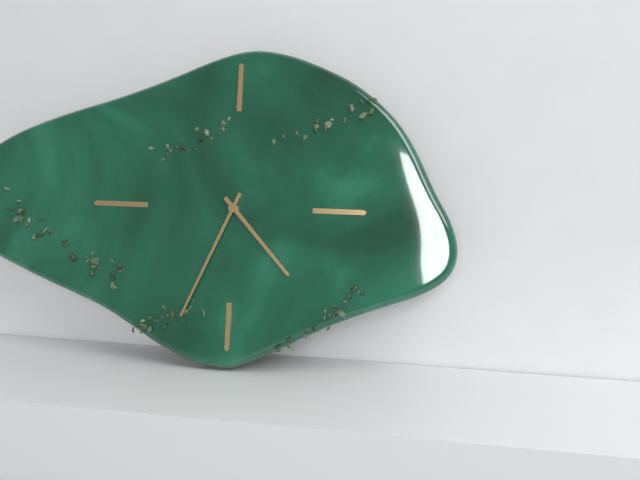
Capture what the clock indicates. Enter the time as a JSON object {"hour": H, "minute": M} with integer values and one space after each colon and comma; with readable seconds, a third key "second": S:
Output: {"hour": 4, "minute": 34}
